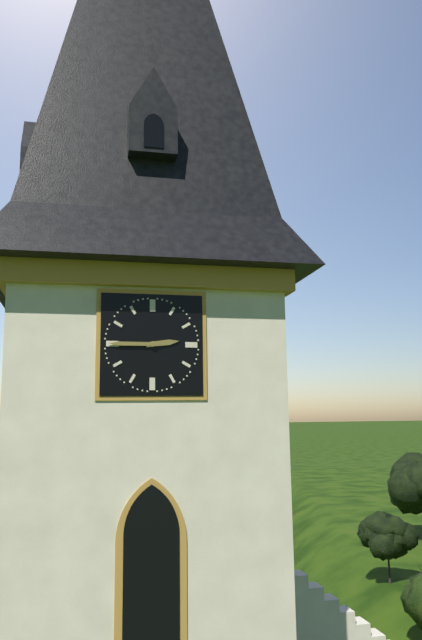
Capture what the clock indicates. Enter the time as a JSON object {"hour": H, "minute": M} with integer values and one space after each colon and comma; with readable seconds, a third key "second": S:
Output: {"hour": 2, "minute": 45}
